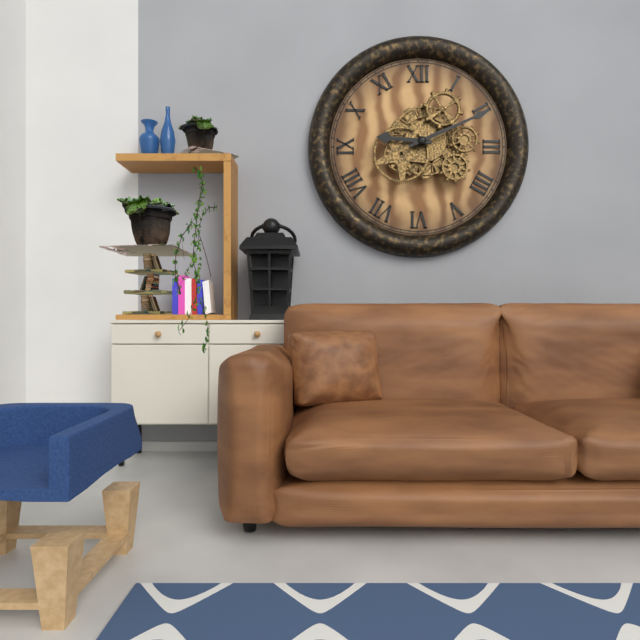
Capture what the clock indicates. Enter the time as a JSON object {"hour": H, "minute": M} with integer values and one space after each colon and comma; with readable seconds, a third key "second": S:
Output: {"hour": 9, "minute": 11}
